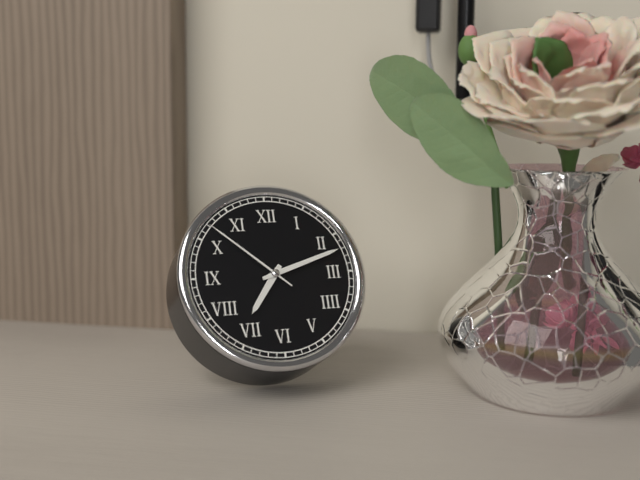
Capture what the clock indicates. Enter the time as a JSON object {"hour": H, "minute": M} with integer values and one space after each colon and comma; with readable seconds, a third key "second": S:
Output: {"hour": 7, "minute": 12, "second": 52}
